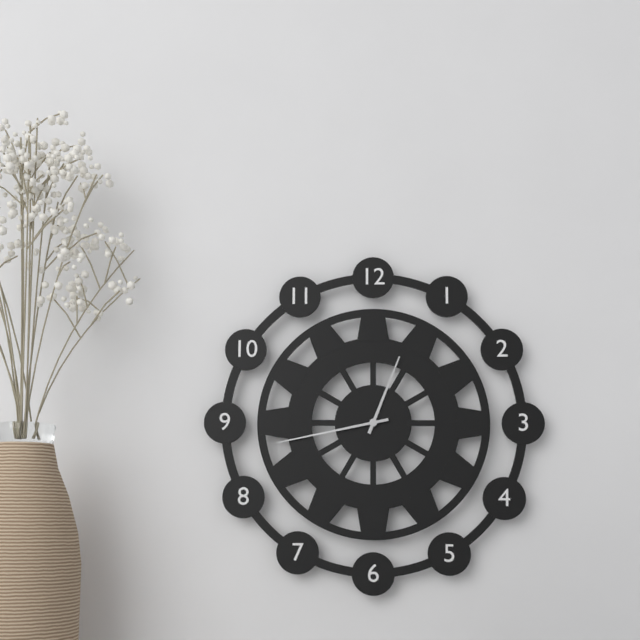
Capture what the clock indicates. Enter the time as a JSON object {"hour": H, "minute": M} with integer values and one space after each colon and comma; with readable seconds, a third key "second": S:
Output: {"hour": 12, "minute": 43}
